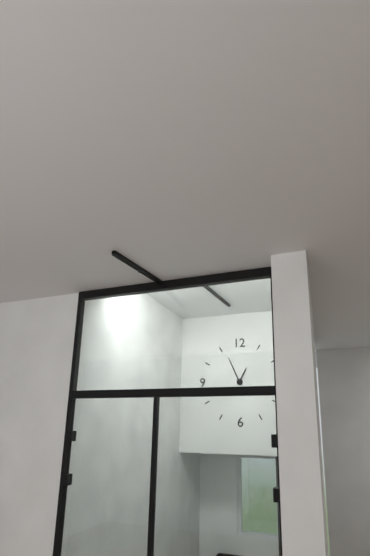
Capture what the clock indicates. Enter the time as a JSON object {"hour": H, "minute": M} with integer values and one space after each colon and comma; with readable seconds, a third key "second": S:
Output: {"hour": 12, "minute": 56}
